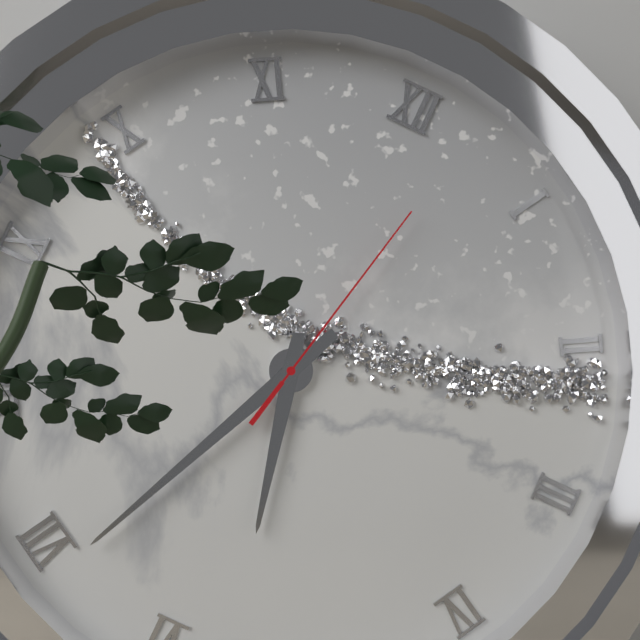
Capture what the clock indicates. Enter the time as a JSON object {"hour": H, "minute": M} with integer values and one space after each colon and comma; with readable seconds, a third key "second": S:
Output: {"hour": 5, "minute": 34, "second": 2}
